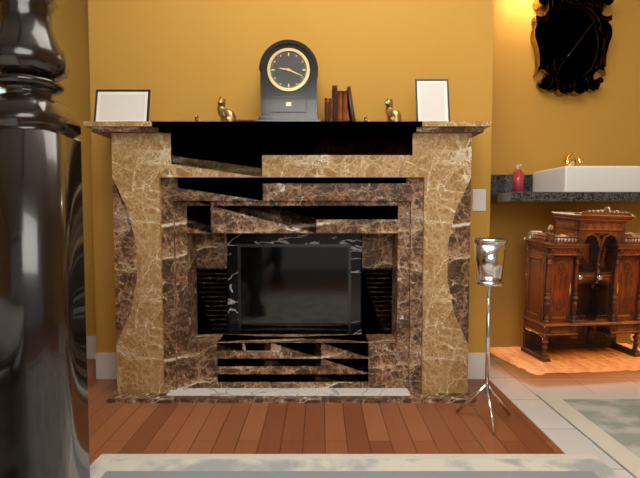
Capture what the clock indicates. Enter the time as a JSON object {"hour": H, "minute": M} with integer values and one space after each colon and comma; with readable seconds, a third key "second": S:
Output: {"hour": 9, "minute": 19}
